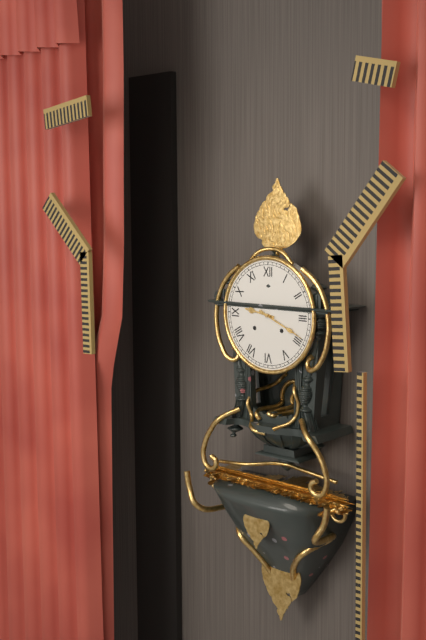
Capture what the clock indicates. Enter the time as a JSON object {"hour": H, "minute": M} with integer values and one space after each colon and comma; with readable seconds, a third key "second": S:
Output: {"hour": 9, "minute": 19}
